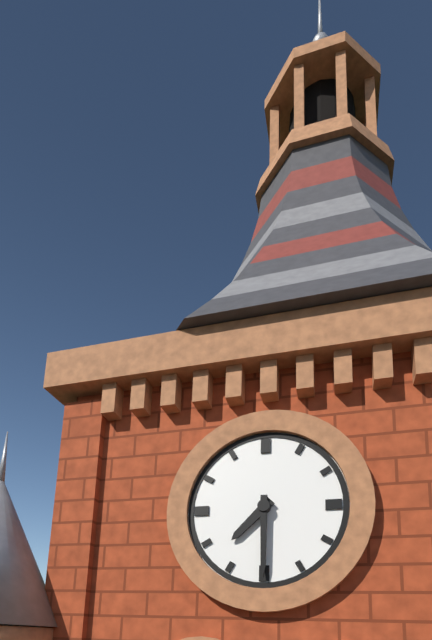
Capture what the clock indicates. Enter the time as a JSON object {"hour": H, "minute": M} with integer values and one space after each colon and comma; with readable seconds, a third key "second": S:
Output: {"hour": 7, "minute": 30}
